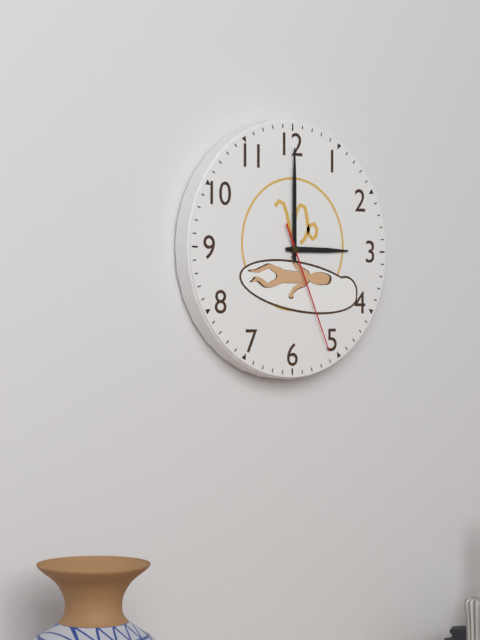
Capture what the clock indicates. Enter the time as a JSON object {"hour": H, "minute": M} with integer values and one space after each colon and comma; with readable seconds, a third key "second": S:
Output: {"hour": 3, "minute": 0, "second": 26}
